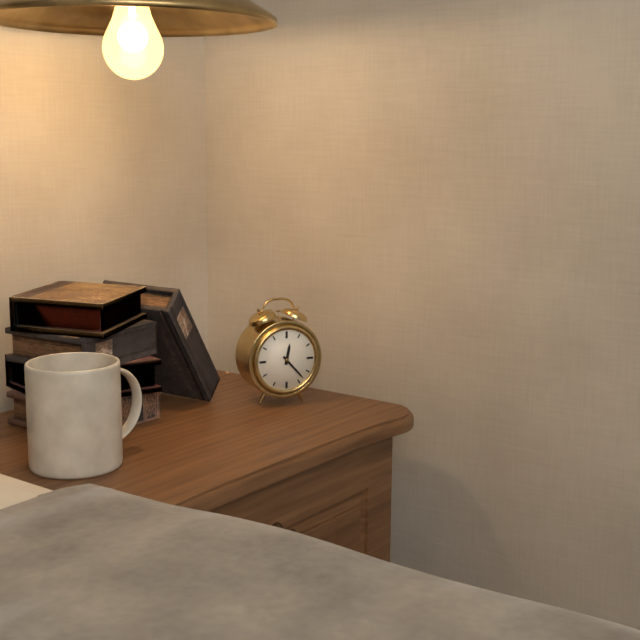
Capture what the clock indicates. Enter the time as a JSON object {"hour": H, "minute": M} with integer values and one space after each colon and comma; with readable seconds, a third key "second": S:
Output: {"hour": 12, "minute": 23}
